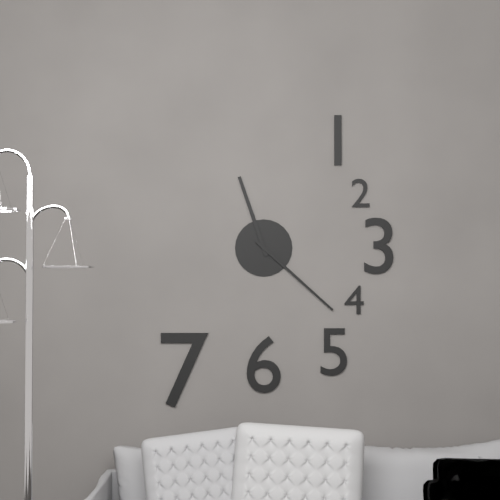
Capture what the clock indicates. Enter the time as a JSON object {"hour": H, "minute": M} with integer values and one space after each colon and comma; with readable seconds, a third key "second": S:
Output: {"hour": 11, "minute": 22}
